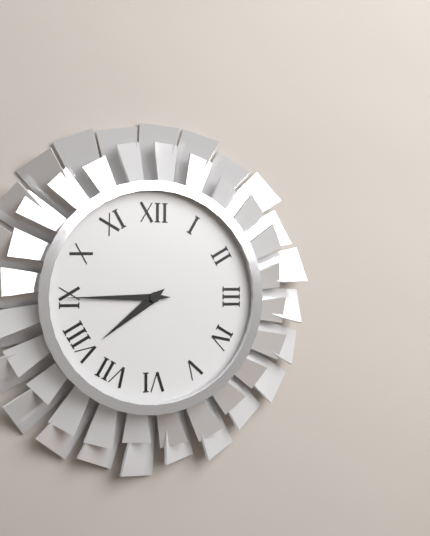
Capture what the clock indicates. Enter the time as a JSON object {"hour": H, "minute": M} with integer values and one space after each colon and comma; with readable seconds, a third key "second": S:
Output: {"hour": 7, "minute": 45}
